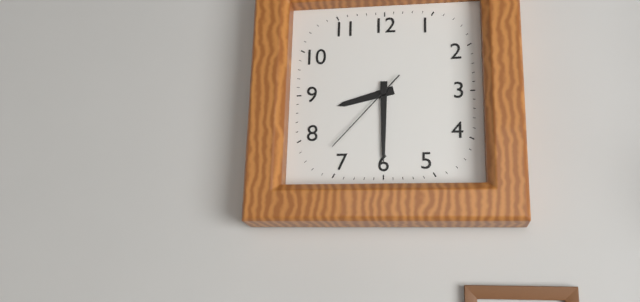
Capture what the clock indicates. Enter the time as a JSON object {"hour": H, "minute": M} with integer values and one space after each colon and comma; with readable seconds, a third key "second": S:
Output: {"hour": 8, "minute": 30, "second": 37}
